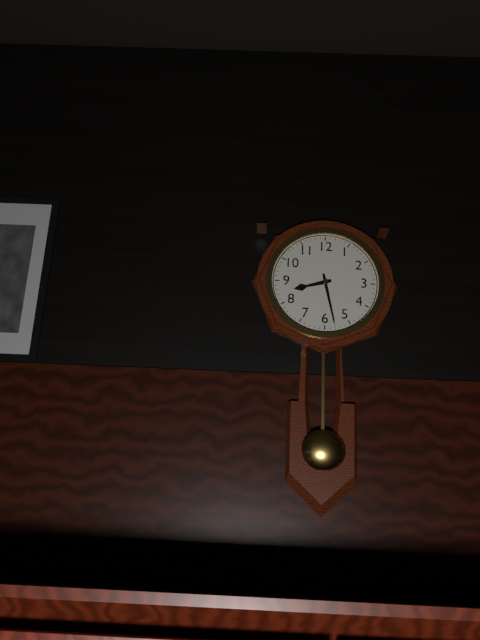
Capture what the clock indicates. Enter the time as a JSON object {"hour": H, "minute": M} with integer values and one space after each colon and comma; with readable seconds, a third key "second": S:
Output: {"hour": 8, "minute": 28}
